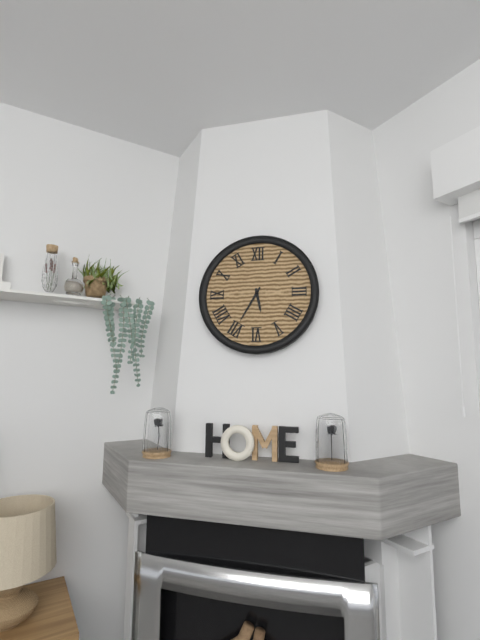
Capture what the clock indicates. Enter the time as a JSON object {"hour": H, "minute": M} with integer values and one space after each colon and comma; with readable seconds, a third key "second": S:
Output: {"hour": 5, "minute": 35}
